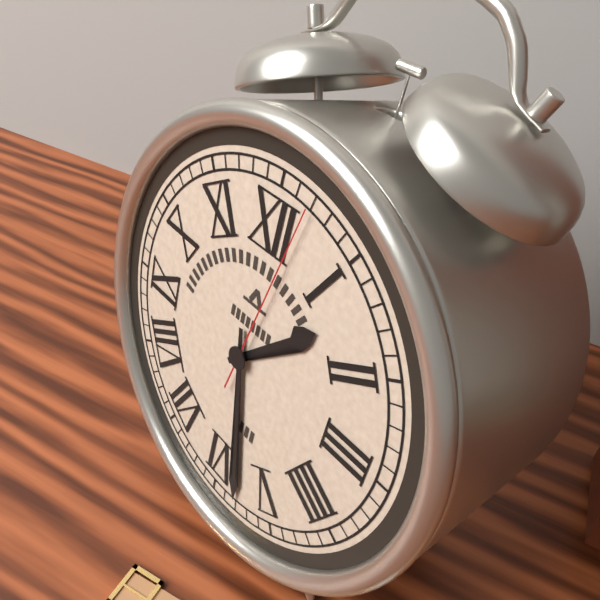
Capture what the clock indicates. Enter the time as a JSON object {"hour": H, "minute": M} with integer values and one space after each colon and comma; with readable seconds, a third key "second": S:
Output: {"hour": 1, "minute": 28, "second": 2}
